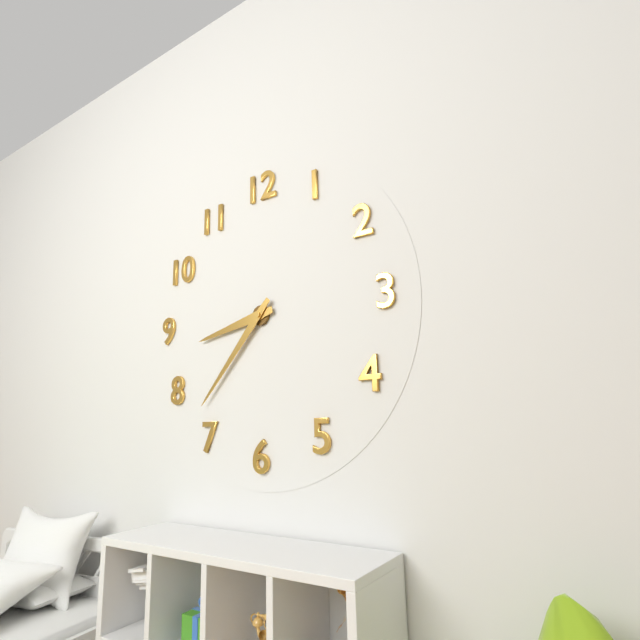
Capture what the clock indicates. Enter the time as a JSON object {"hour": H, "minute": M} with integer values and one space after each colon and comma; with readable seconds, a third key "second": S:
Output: {"hour": 8, "minute": 37}
